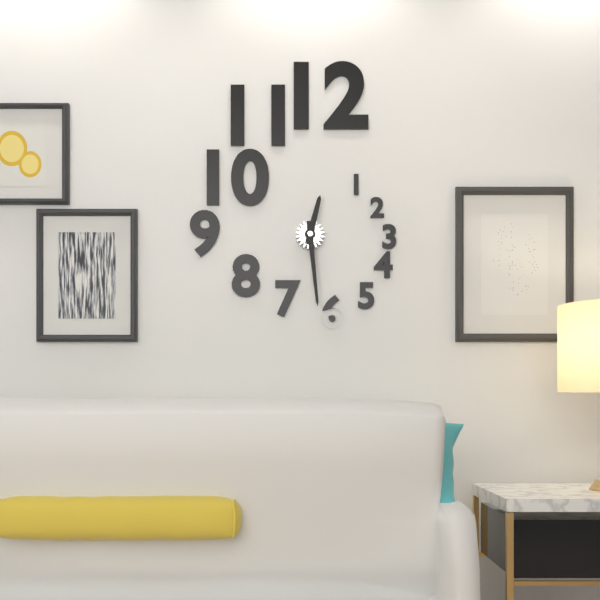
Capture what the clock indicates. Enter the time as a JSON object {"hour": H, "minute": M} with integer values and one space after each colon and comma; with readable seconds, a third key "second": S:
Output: {"hour": 12, "minute": 29}
